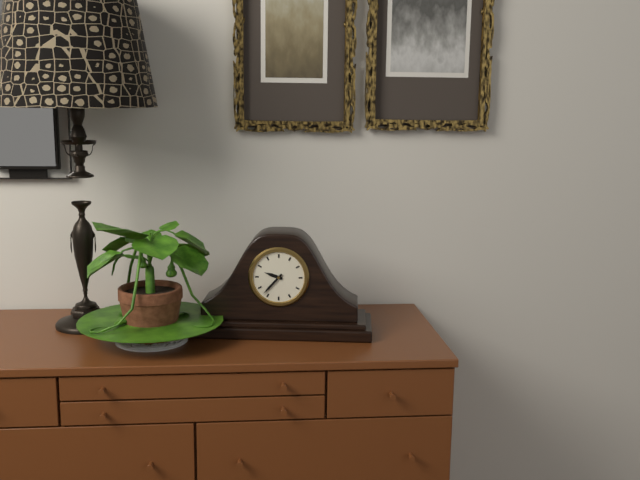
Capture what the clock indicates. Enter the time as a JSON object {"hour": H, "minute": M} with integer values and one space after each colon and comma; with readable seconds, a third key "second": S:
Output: {"hour": 9, "minute": 37}
